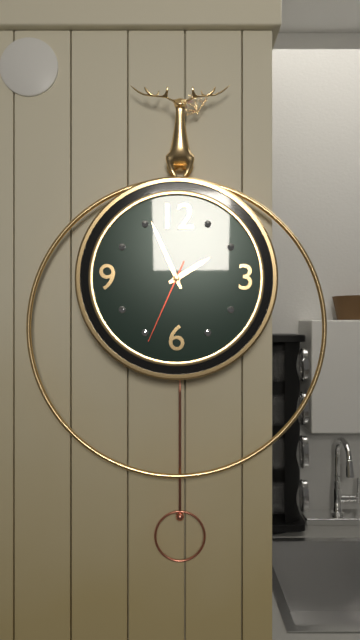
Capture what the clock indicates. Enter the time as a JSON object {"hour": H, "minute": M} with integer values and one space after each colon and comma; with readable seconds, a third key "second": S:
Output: {"hour": 1, "minute": 56, "second": 34}
